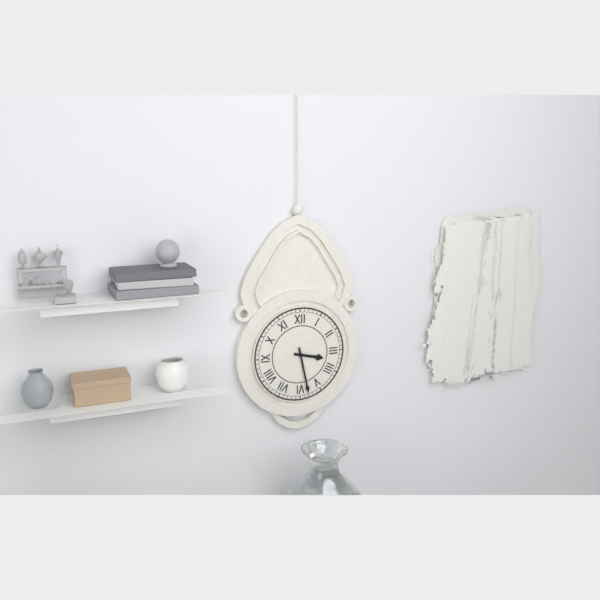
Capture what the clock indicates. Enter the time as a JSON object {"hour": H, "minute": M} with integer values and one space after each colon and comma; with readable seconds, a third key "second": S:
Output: {"hour": 3, "minute": 28}
